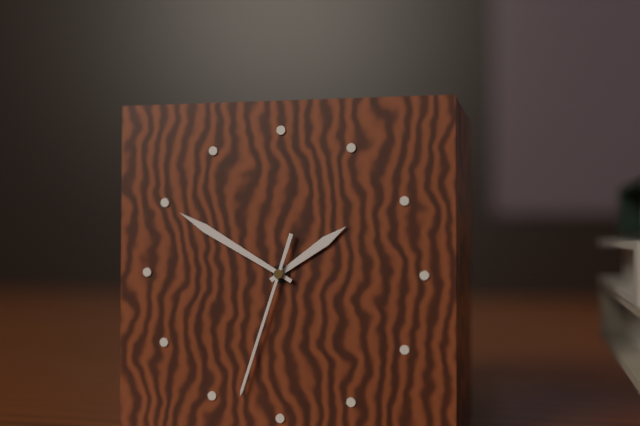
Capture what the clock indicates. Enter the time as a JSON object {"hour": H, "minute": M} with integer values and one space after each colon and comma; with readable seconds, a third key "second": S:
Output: {"hour": 1, "minute": 50, "second": 33}
